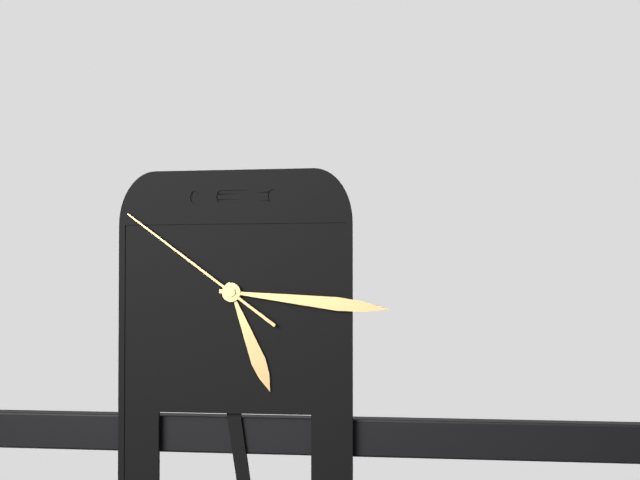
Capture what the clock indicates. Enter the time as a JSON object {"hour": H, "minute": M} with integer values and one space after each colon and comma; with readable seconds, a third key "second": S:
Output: {"hour": 5, "minute": 16, "second": 51}
